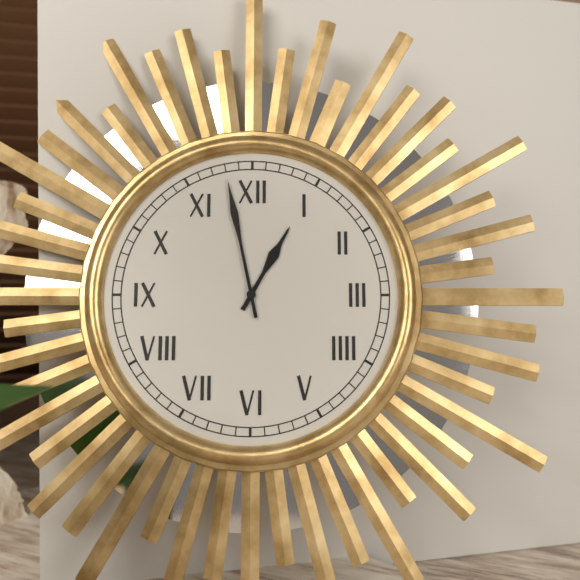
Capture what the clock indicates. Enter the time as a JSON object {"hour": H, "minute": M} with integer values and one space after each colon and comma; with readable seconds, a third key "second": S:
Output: {"hour": 12, "minute": 58}
